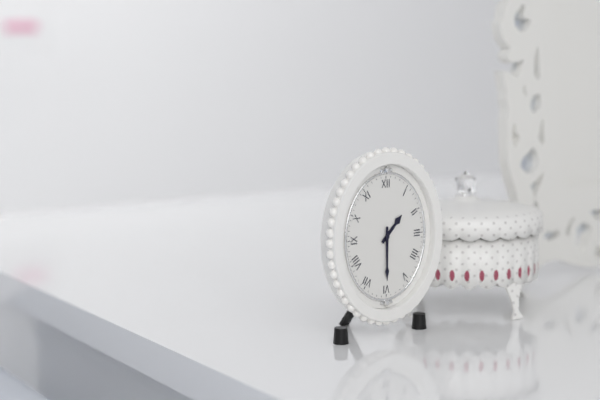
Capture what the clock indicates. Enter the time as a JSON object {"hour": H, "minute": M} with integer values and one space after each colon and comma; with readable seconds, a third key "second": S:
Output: {"hour": 1, "minute": 30}
